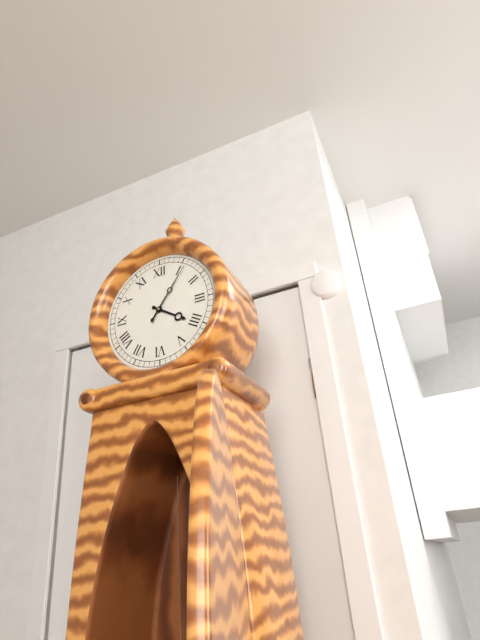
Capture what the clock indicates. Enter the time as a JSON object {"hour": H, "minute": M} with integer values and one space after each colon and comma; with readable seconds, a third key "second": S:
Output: {"hour": 4, "minute": 6}
